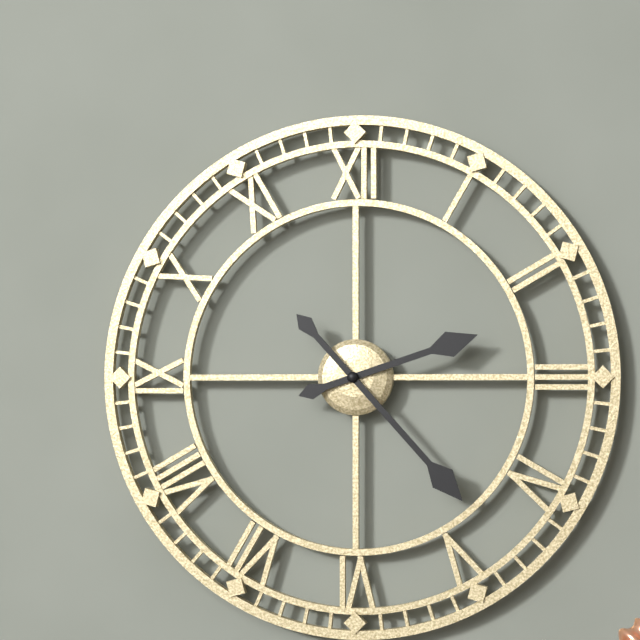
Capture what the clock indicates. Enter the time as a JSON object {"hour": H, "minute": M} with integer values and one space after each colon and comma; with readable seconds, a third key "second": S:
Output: {"hour": 2, "minute": 23}
